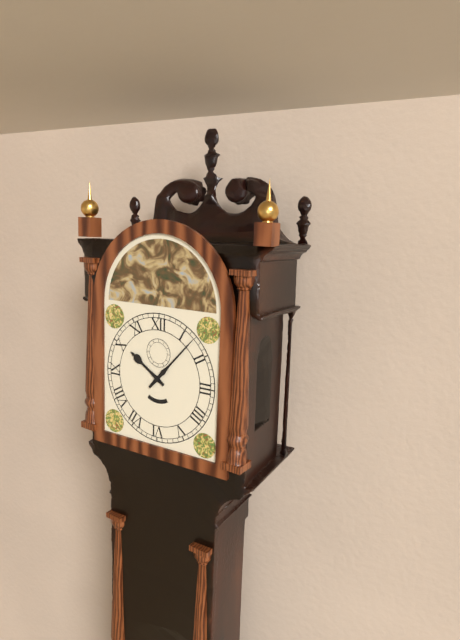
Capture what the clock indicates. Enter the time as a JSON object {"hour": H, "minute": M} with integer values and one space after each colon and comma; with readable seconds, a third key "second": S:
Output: {"hour": 10, "minute": 7}
